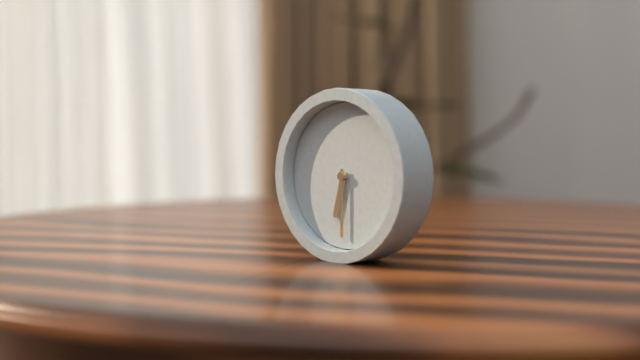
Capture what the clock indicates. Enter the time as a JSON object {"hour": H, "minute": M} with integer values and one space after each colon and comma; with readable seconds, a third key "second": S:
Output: {"hour": 6, "minute": 30}
